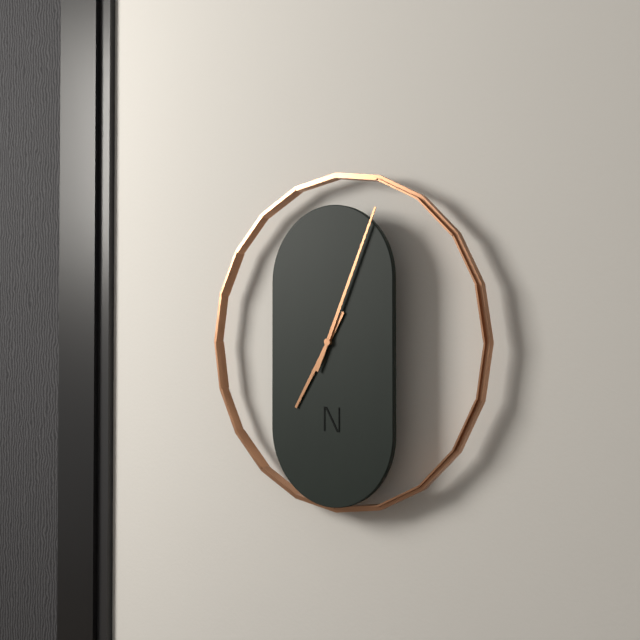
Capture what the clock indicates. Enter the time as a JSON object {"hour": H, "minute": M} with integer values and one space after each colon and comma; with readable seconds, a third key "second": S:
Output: {"hour": 7, "minute": 4}
